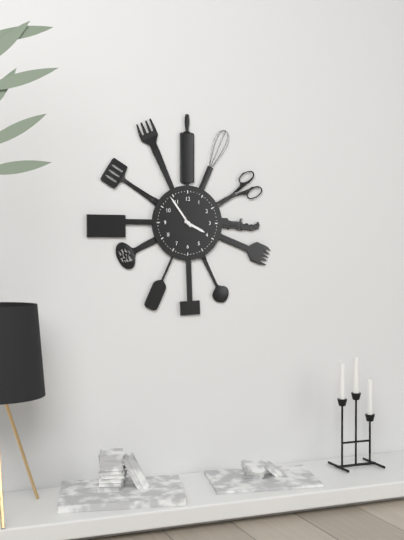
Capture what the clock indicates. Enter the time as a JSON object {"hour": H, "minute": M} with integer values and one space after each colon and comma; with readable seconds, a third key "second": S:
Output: {"hour": 3, "minute": 54}
